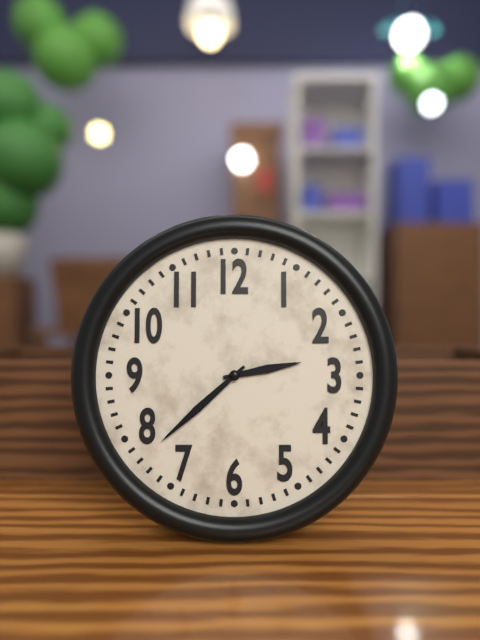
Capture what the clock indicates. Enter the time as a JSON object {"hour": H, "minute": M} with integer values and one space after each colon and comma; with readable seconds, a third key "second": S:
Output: {"hour": 2, "minute": 38}
